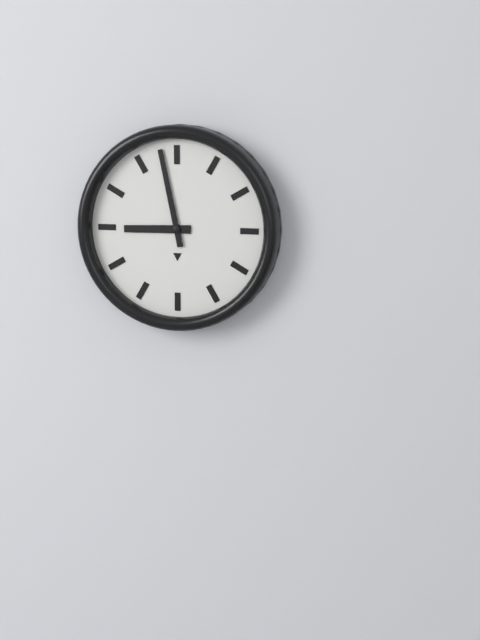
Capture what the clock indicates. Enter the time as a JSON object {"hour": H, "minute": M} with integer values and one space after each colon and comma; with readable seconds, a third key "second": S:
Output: {"hour": 8, "minute": 58}
